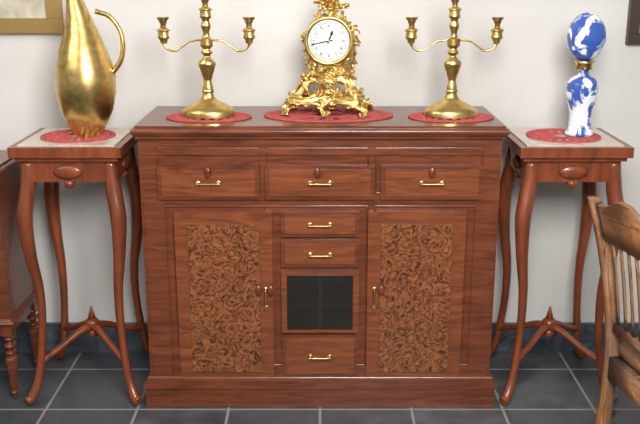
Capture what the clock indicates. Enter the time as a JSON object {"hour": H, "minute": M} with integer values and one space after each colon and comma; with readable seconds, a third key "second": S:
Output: {"hour": 12, "minute": 43}
